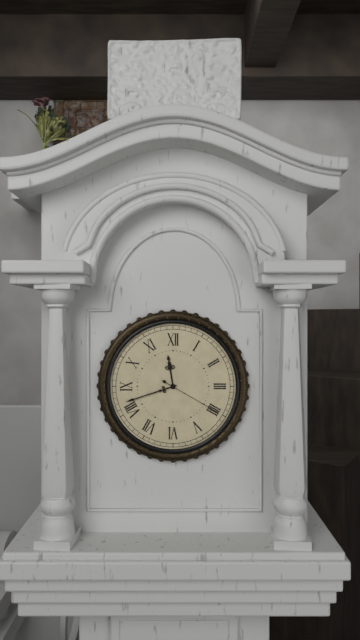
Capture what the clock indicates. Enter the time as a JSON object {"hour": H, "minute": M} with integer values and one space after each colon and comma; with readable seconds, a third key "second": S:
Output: {"hour": 11, "minute": 42, "second": 20}
